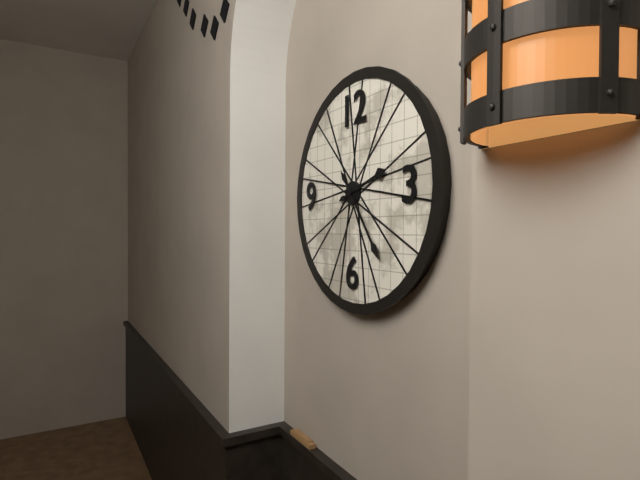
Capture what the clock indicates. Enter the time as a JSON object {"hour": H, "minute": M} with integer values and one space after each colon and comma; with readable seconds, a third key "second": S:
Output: {"hour": 2, "minute": 24}
